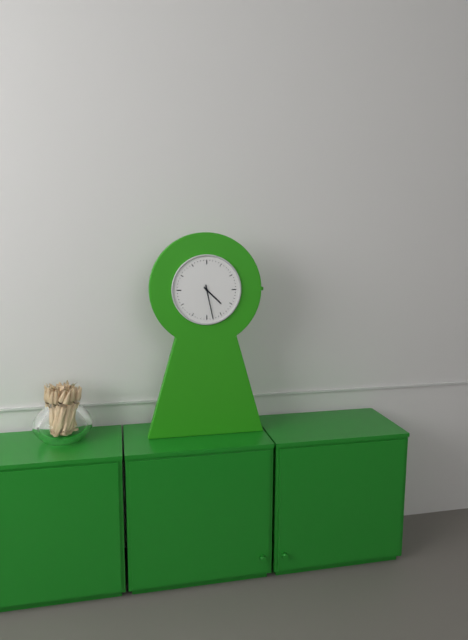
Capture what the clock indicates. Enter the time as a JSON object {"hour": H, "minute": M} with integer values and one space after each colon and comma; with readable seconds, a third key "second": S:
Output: {"hour": 4, "minute": 28}
